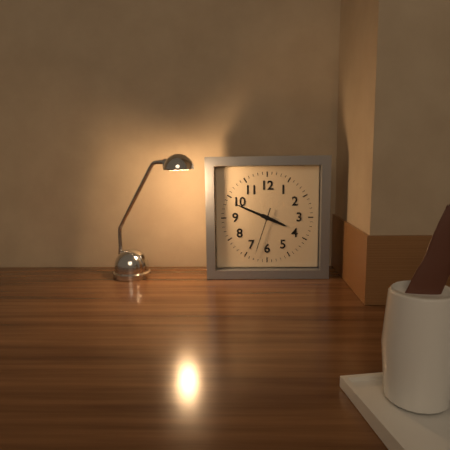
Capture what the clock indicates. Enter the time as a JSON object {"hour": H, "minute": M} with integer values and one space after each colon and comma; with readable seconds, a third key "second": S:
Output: {"hour": 3, "minute": 49}
